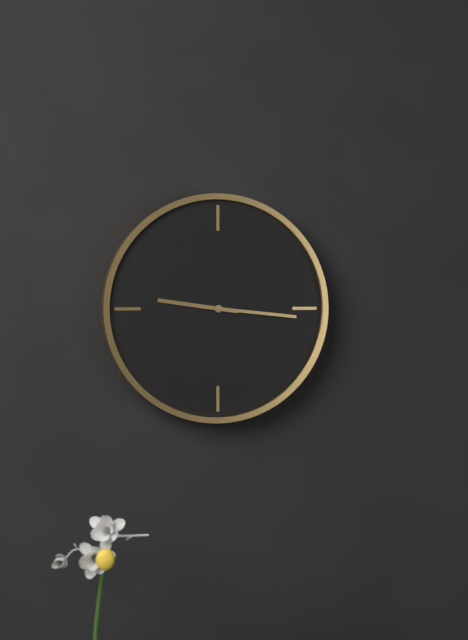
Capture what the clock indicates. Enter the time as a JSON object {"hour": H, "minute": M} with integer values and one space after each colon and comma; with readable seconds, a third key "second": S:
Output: {"hour": 9, "minute": 16}
